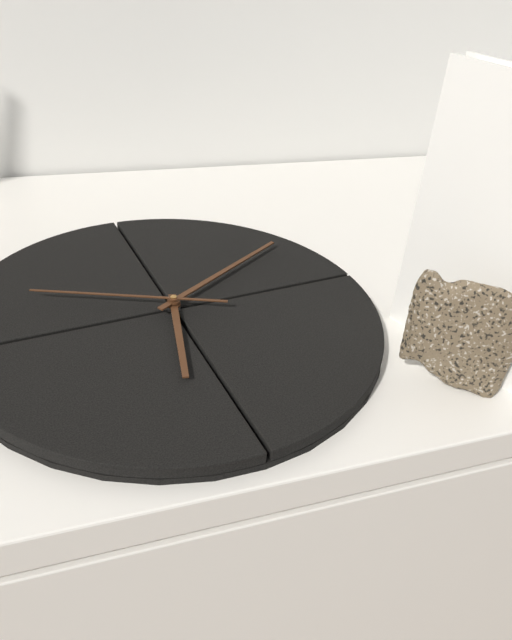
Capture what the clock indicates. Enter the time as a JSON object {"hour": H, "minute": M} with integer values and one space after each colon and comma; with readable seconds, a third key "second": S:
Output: {"hour": 7, "minute": 14, "second": 53}
